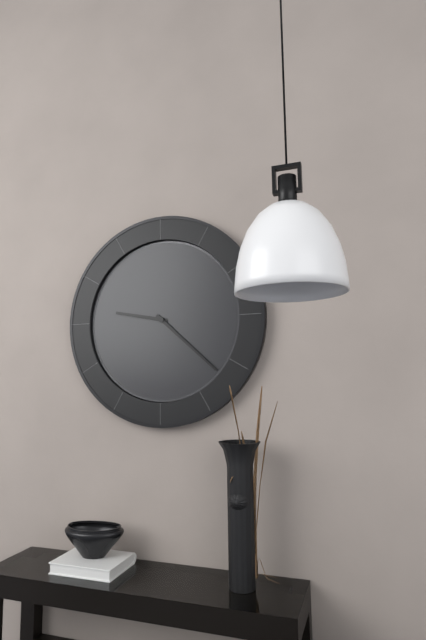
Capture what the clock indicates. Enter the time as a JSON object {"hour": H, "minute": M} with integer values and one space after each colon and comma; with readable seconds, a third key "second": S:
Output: {"hour": 9, "minute": 22}
